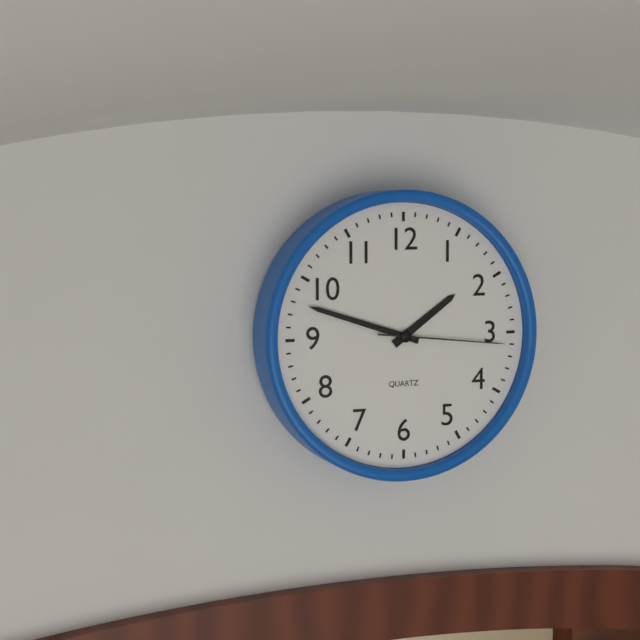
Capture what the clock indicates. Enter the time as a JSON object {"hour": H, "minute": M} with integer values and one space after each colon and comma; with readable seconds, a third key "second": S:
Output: {"hour": 1, "minute": 48, "second": 16}
